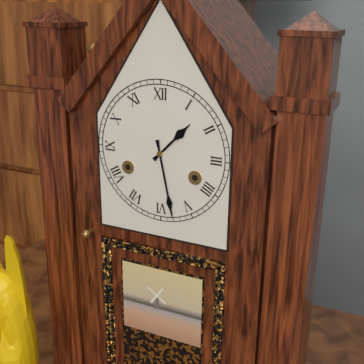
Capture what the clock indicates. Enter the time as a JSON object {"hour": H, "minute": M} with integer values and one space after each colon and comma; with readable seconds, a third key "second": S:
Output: {"hour": 1, "minute": 28}
